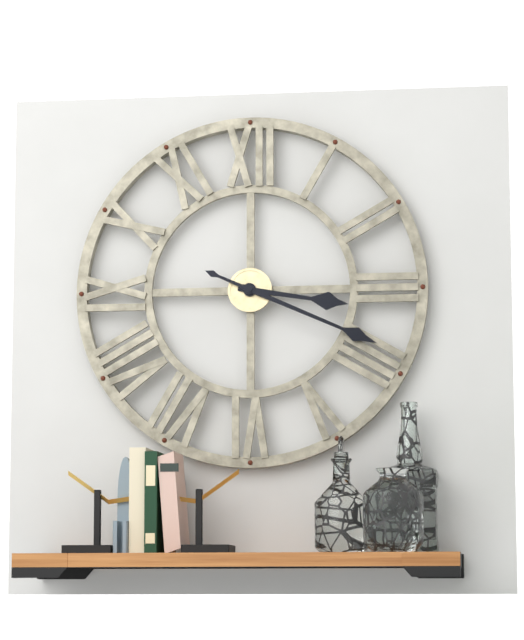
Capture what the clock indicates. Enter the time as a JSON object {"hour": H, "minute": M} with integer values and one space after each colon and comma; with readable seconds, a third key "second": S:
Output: {"hour": 3, "minute": 19}
